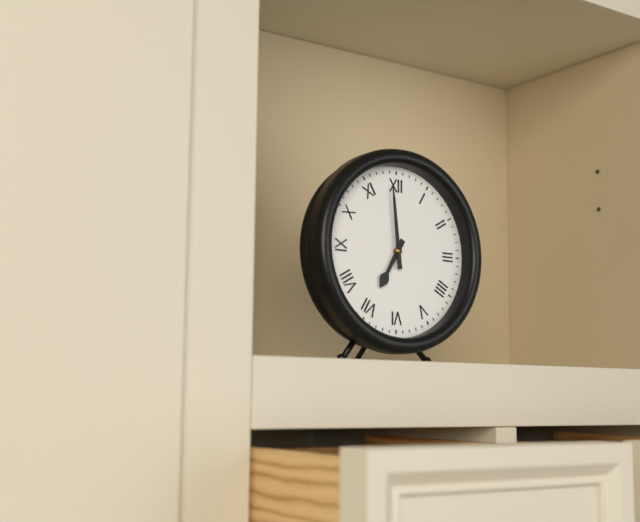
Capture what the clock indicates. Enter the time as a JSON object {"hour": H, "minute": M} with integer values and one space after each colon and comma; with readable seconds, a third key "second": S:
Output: {"hour": 6, "minute": 59}
